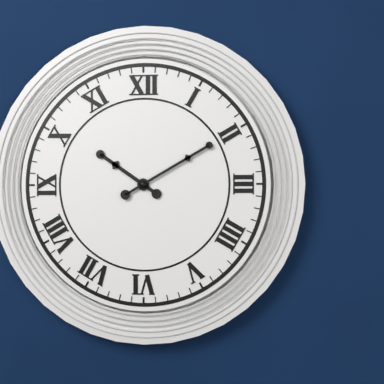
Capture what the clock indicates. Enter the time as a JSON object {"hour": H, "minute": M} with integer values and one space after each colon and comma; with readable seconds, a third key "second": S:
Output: {"hour": 10, "minute": 10}
